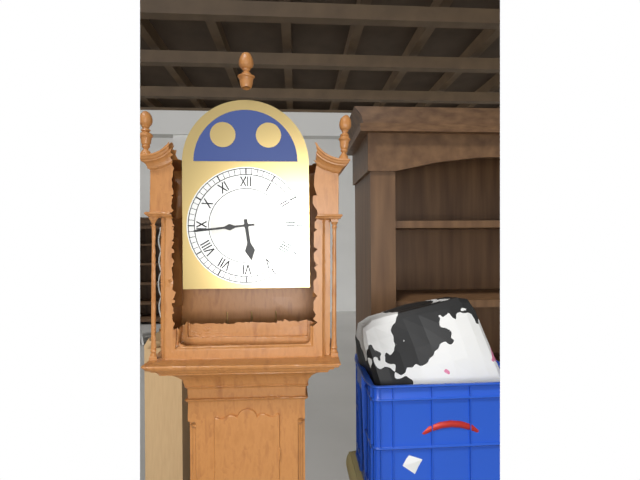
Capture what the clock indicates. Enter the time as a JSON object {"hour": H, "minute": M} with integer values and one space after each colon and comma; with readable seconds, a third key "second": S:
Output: {"hour": 5, "minute": 44}
